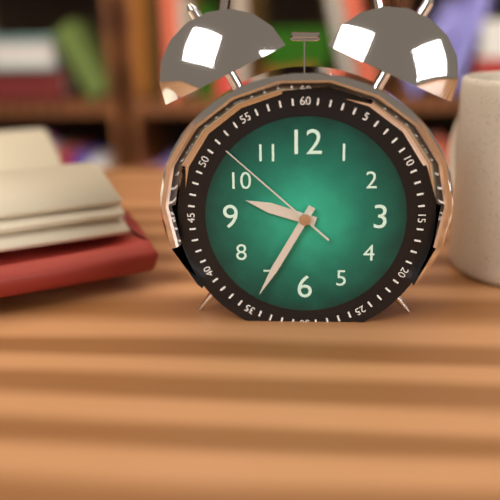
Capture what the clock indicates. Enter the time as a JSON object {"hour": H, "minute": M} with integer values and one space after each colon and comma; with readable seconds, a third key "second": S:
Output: {"hour": 9, "minute": 35, "second": 52}
